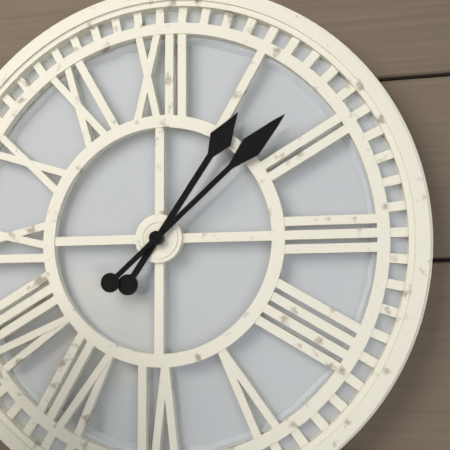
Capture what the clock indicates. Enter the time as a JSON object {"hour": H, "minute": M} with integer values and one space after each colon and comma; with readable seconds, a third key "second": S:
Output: {"hour": 1, "minute": 8}
